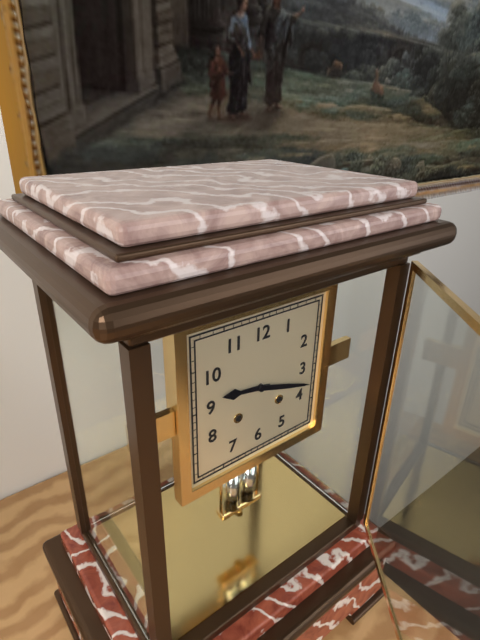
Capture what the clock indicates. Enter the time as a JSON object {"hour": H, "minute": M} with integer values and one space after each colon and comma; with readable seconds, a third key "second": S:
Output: {"hour": 9, "minute": 18}
